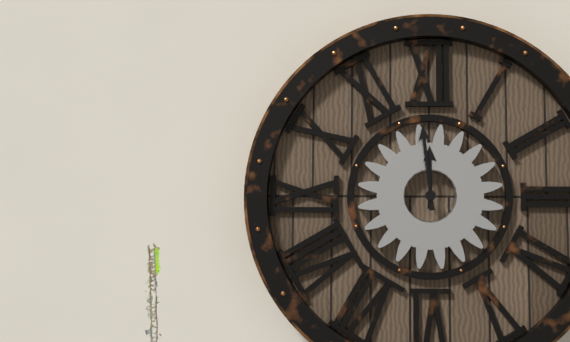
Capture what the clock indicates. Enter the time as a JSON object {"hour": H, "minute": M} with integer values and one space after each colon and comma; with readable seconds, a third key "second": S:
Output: {"hour": 11, "minute": 59}
